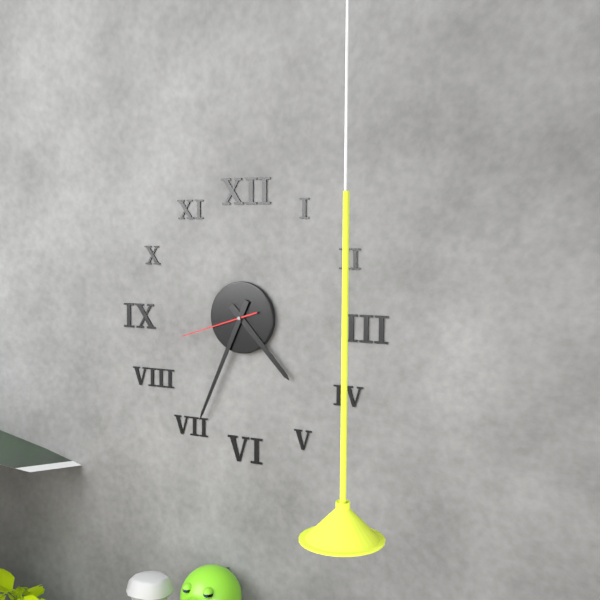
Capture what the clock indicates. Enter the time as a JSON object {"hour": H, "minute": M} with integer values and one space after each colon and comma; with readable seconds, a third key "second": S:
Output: {"hour": 4, "minute": 34, "second": 42}
